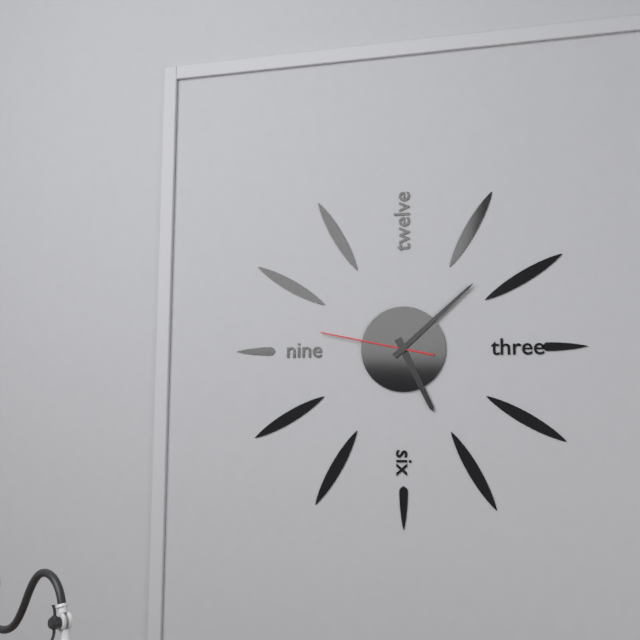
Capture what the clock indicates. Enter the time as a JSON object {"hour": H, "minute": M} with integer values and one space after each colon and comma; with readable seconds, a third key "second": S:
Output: {"hour": 5, "minute": 8, "second": 47}
